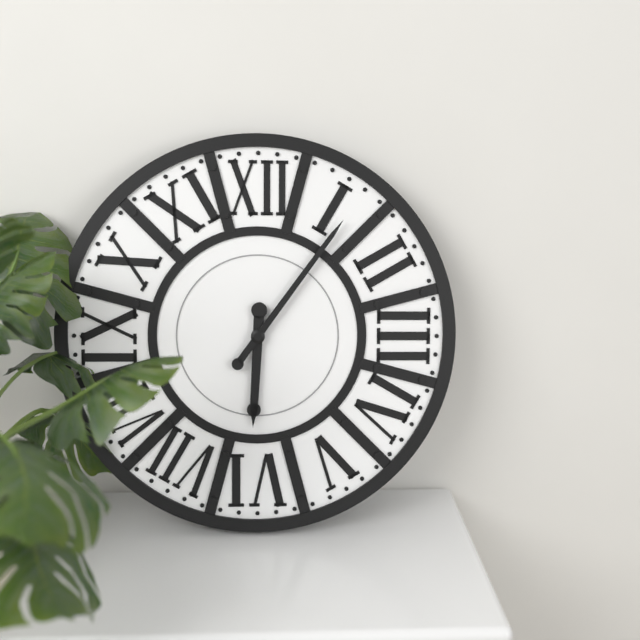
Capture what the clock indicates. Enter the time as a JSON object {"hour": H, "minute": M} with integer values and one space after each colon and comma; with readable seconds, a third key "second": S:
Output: {"hour": 6, "minute": 6}
